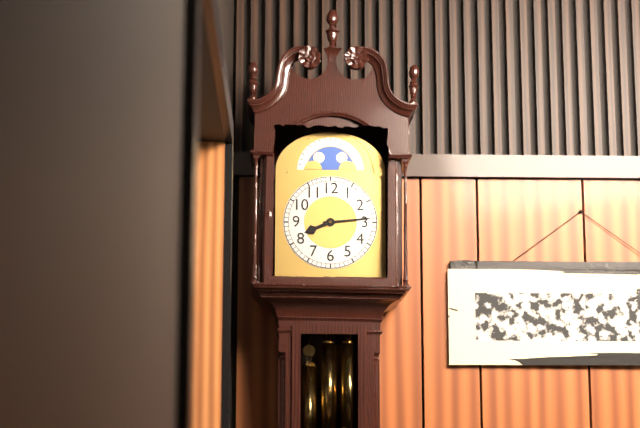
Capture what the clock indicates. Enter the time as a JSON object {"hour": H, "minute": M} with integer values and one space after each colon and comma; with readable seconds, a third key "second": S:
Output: {"hour": 8, "minute": 14}
